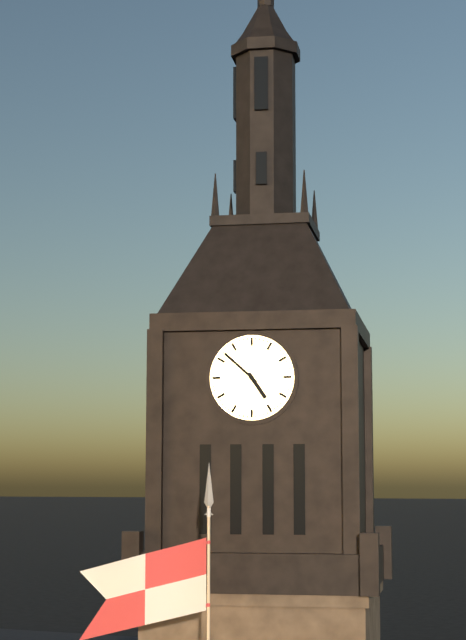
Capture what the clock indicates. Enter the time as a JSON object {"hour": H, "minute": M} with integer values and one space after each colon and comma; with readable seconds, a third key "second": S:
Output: {"hour": 4, "minute": 52}
